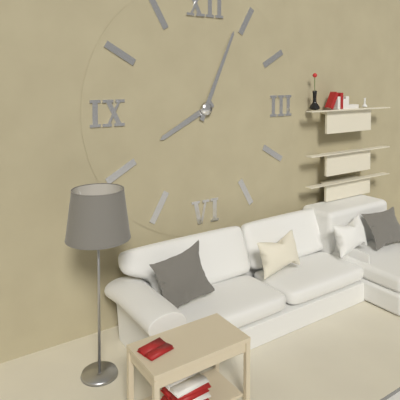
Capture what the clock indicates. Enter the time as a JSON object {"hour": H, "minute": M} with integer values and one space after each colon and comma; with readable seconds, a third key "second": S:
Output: {"hour": 8, "minute": 4}
